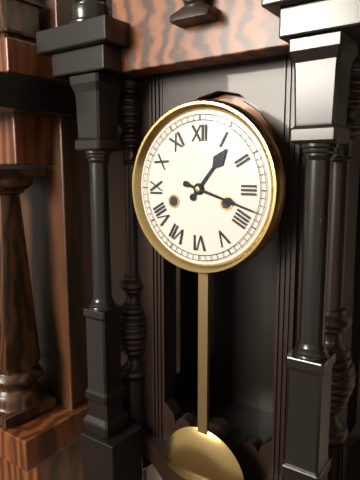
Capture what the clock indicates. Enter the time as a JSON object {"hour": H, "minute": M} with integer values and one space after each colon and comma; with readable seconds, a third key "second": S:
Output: {"hour": 1, "minute": 18}
